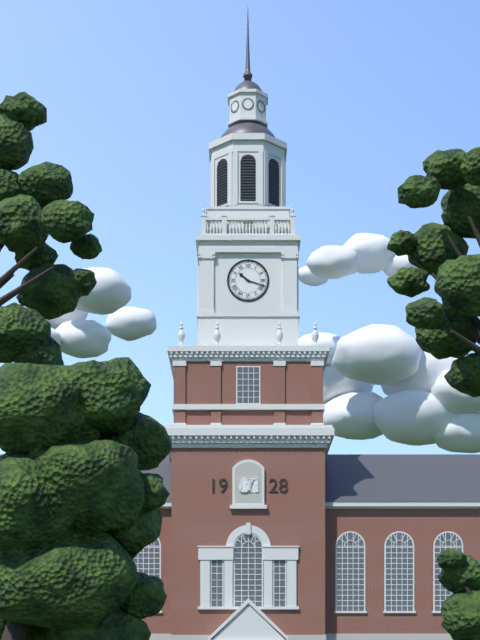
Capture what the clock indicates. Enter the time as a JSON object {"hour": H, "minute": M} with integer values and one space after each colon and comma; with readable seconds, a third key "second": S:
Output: {"hour": 10, "minute": 18}
